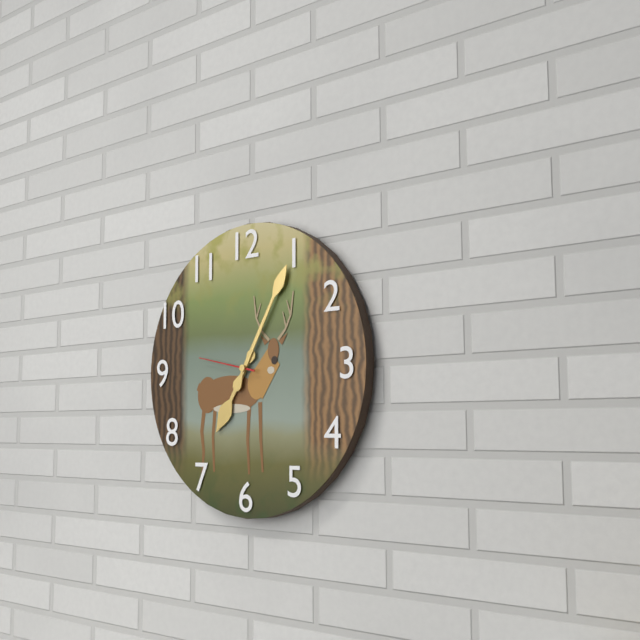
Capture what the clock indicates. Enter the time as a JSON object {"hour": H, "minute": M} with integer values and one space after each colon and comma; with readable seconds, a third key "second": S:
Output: {"hour": 7, "minute": 5, "second": 47}
